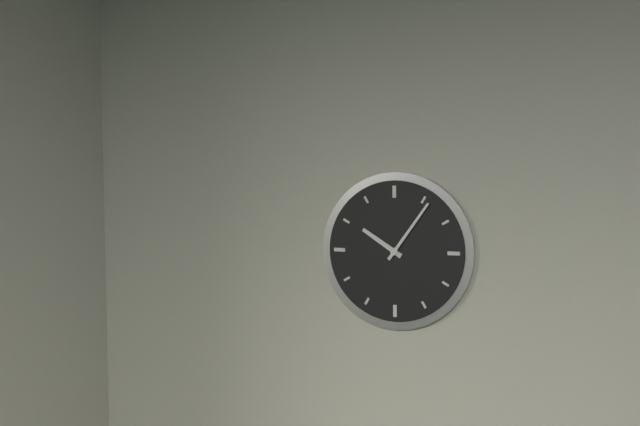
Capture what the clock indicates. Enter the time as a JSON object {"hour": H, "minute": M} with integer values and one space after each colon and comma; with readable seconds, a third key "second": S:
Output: {"hour": 10, "minute": 6}
